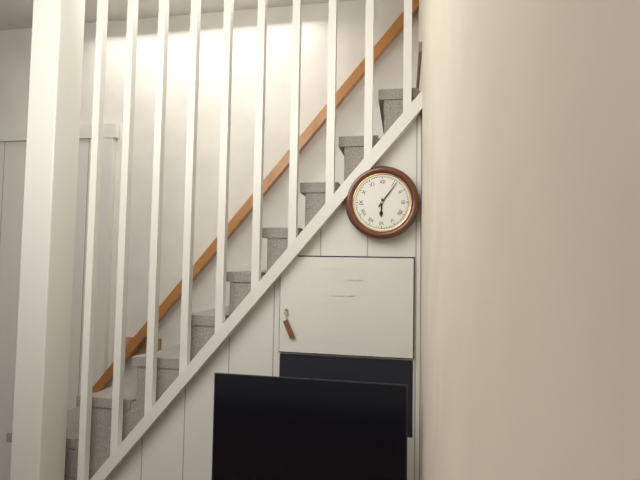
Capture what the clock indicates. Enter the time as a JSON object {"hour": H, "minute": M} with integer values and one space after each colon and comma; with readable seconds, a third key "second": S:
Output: {"hour": 6, "minute": 6}
